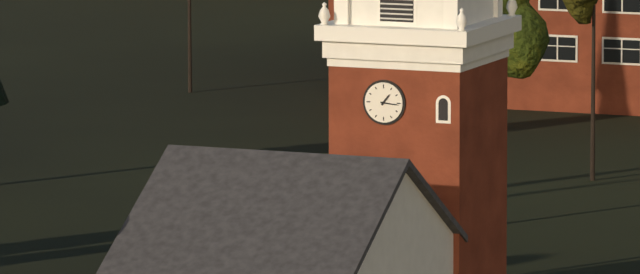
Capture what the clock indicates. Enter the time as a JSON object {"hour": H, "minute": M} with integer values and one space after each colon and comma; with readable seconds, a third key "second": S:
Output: {"hour": 1, "minute": 16}
